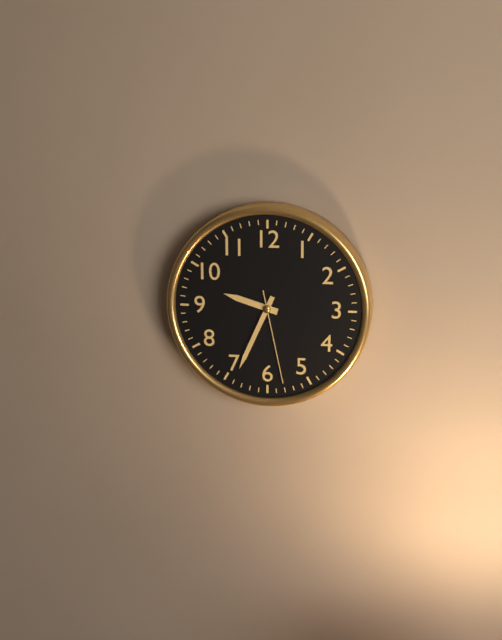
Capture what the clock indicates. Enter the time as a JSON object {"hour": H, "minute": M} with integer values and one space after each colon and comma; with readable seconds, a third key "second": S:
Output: {"hour": 9, "minute": 34, "second": 28}
